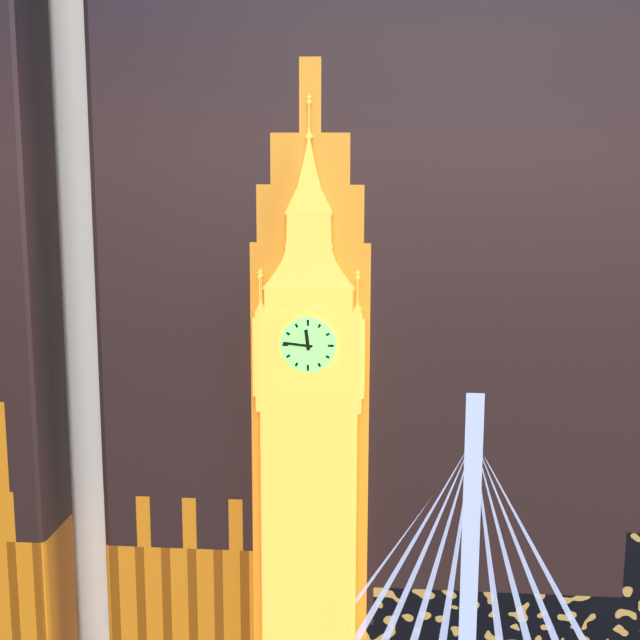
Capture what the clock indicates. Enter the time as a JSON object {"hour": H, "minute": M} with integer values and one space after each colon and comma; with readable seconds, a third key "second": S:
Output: {"hour": 11, "minute": 46}
